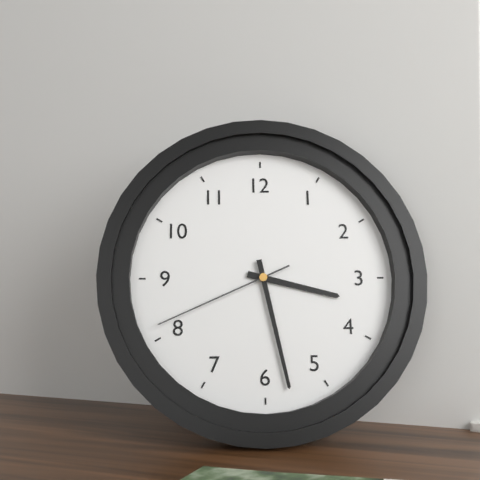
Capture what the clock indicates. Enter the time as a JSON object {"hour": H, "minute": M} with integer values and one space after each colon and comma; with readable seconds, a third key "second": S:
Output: {"hour": 3, "minute": 28, "second": 41}
